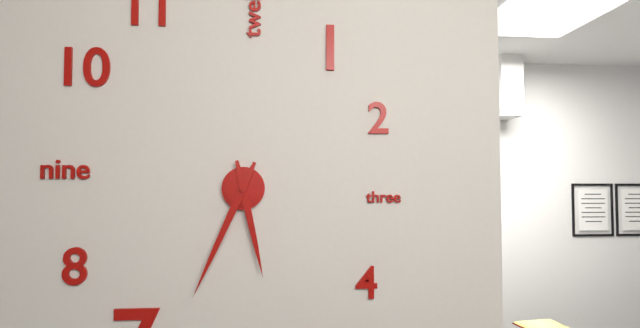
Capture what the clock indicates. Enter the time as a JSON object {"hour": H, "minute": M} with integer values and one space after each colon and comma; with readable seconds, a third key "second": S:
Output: {"hour": 5, "minute": 34}
